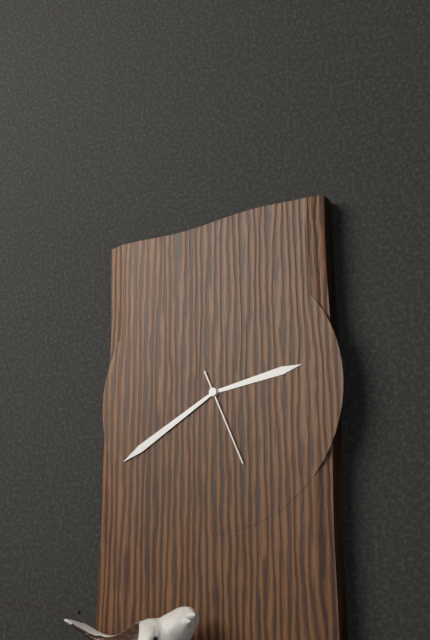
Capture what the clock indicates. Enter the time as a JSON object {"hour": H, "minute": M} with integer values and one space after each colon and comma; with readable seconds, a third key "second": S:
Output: {"hour": 2, "minute": 40, "second": 26}
